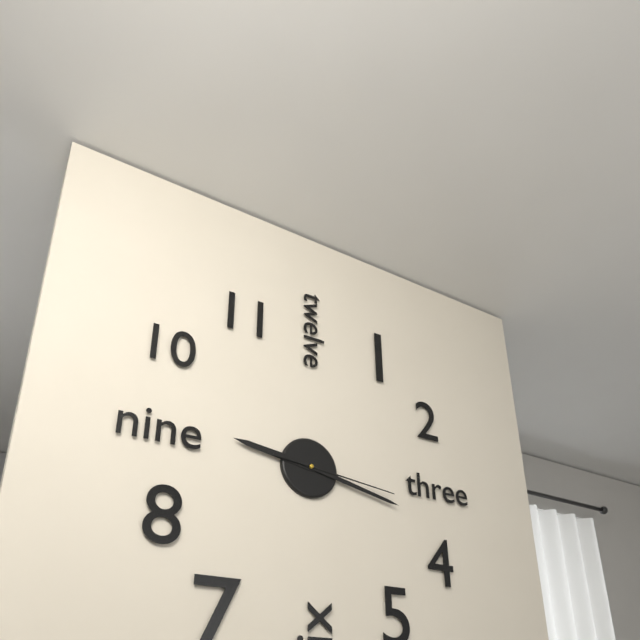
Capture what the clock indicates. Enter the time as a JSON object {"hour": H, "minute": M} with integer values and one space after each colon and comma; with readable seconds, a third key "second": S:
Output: {"hour": 9, "minute": 17, "second": 16}
